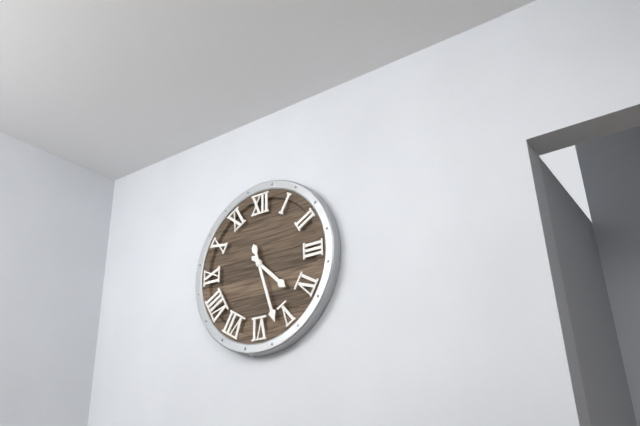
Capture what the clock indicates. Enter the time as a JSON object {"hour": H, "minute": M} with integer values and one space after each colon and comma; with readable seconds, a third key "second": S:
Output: {"hour": 4, "minute": 27}
